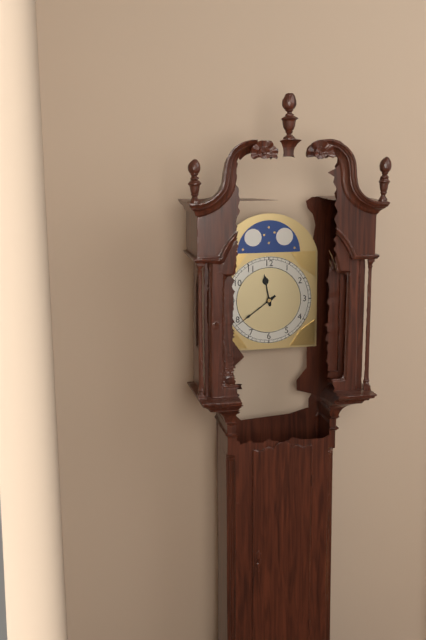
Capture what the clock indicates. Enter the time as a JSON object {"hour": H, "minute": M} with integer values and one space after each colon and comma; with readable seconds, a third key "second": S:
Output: {"hour": 11, "minute": 39}
